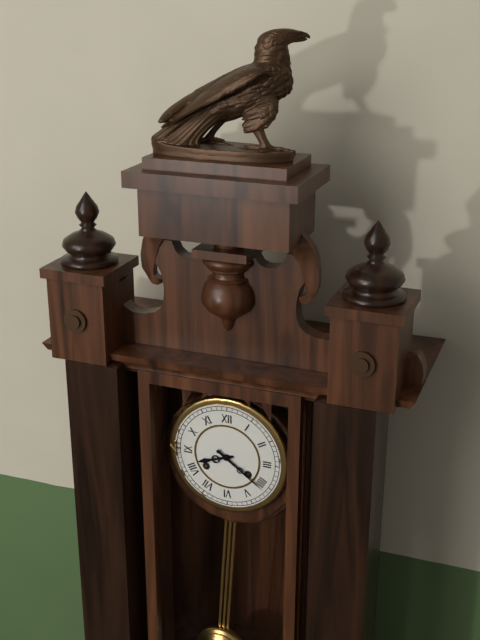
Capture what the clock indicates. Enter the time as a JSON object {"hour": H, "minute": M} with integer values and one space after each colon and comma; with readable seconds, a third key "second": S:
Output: {"hour": 8, "minute": 21}
